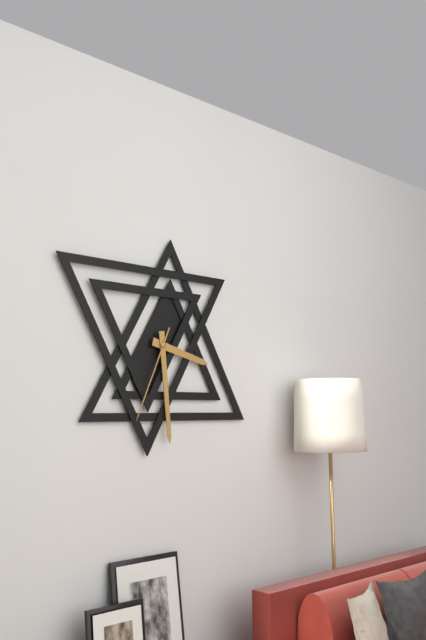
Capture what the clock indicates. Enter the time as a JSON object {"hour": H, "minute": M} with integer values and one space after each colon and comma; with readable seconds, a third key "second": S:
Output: {"hour": 3, "minute": 29, "second": 34}
